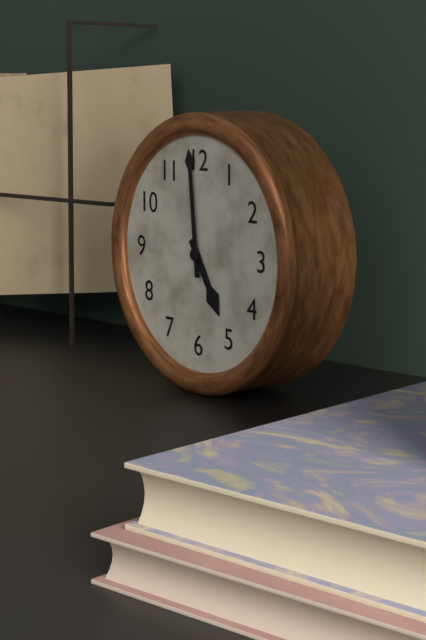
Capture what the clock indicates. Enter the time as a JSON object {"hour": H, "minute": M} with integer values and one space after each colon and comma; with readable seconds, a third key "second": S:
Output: {"hour": 4, "minute": 59}
